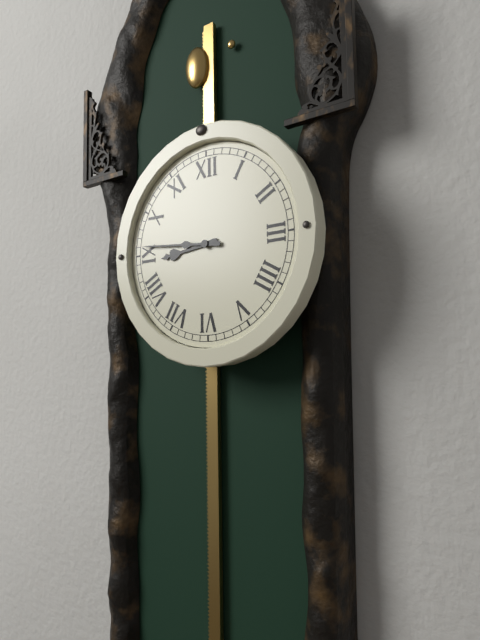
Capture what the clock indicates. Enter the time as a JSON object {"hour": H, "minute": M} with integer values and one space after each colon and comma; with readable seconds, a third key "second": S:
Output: {"hour": 8, "minute": 46}
